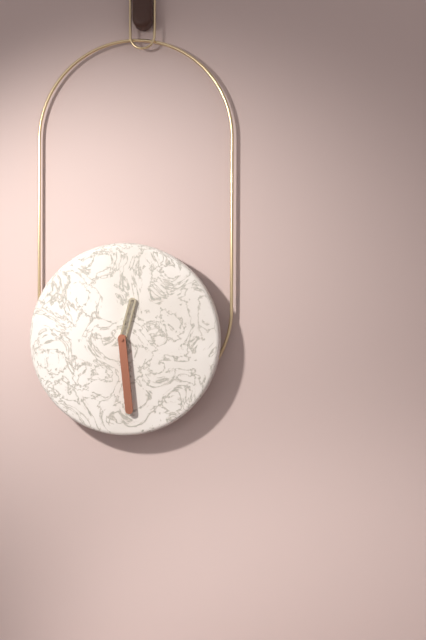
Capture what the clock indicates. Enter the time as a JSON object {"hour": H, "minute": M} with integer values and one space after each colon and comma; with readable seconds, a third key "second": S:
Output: {"hour": 12, "minute": 29}
